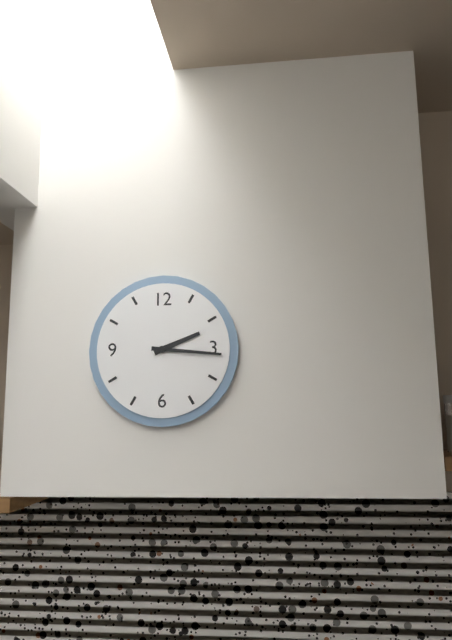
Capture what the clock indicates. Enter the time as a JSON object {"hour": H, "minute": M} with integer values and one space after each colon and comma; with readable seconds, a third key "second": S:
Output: {"hour": 2, "minute": 16}
